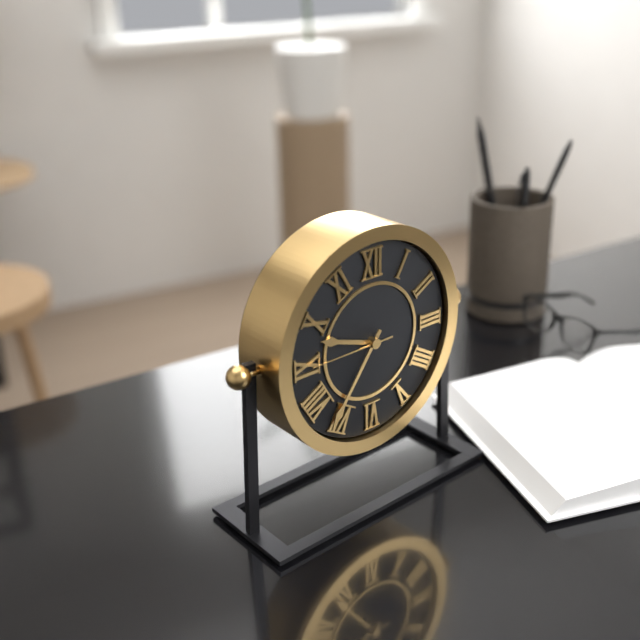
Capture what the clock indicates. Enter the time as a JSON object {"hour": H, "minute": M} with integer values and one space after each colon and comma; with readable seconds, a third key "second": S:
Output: {"hour": 9, "minute": 36, "second": 45}
